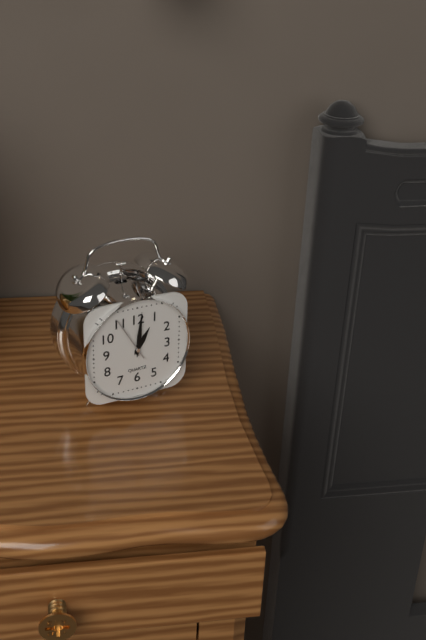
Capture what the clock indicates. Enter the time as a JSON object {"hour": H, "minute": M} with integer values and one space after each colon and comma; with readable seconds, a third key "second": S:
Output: {"hour": 1, "minute": 1}
